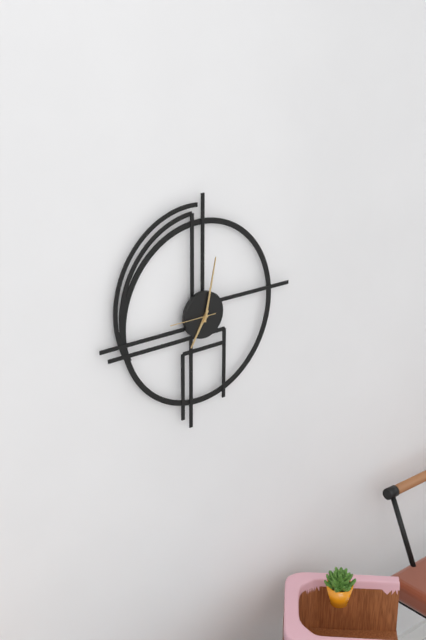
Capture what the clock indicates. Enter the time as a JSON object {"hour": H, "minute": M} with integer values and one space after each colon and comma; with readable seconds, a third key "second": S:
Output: {"hour": 7, "minute": 2}
